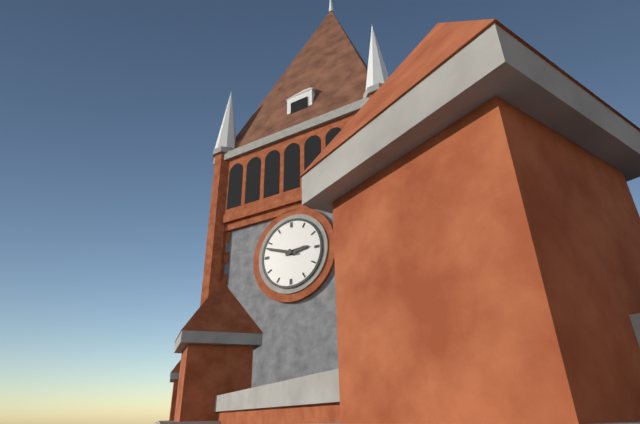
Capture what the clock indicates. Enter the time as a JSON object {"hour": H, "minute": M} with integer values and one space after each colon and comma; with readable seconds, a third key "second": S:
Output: {"hour": 2, "minute": 48}
